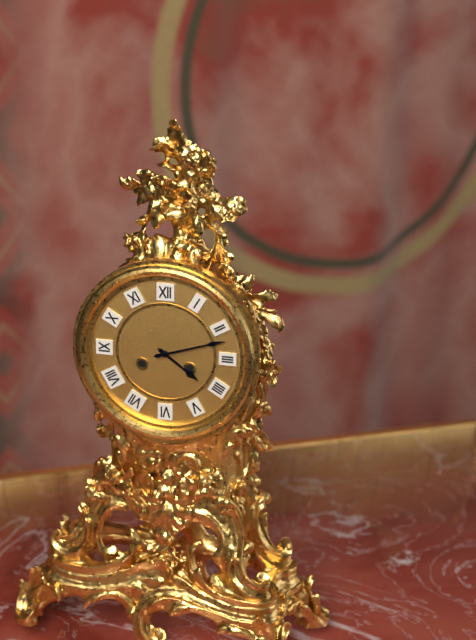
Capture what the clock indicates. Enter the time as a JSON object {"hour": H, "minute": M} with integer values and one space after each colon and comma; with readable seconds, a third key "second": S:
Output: {"hour": 4, "minute": 12}
